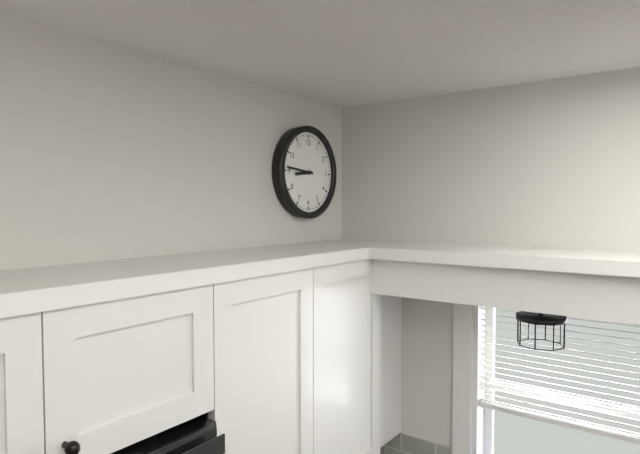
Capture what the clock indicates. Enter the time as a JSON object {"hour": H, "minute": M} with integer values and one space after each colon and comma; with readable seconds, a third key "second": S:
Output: {"hour": 8, "minute": 46}
